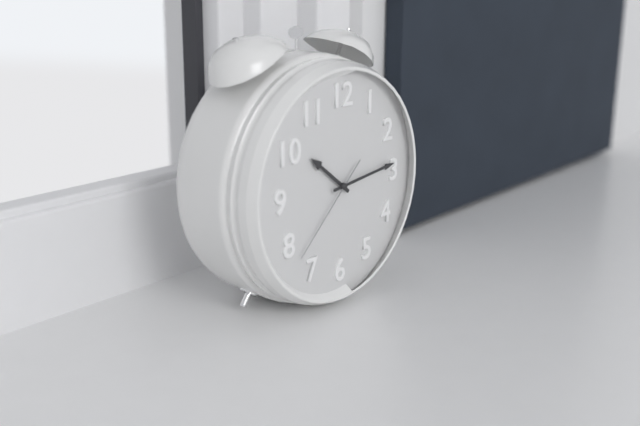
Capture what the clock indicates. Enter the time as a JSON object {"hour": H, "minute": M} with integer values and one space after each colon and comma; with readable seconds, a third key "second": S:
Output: {"hour": 10, "minute": 14, "second": 38}
